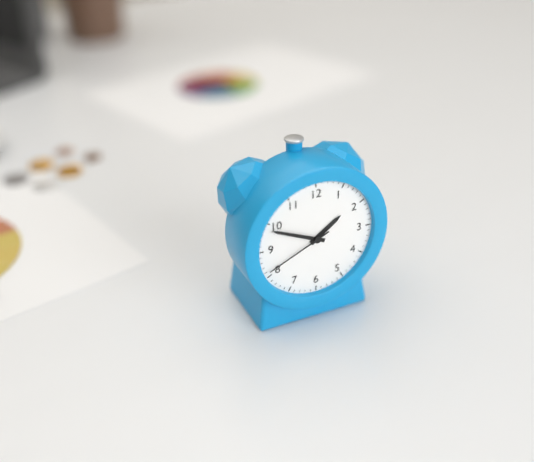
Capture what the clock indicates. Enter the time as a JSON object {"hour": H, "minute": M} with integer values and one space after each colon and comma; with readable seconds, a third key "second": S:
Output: {"hour": 1, "minute": 49, "second": 41}
